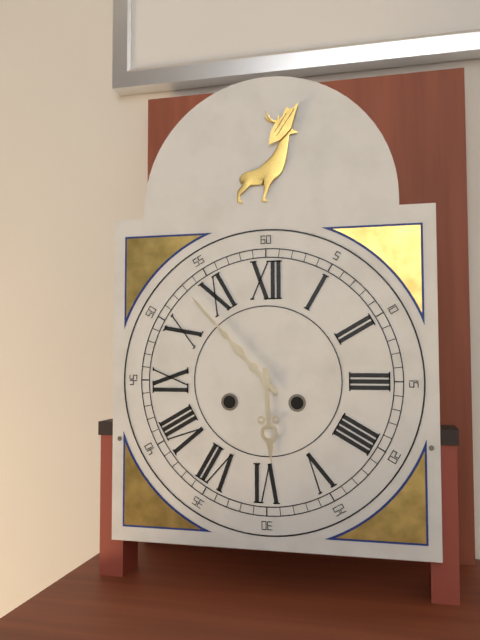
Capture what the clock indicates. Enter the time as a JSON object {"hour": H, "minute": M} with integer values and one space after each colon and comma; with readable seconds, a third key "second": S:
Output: {"hour": 5, "minute": 53}
